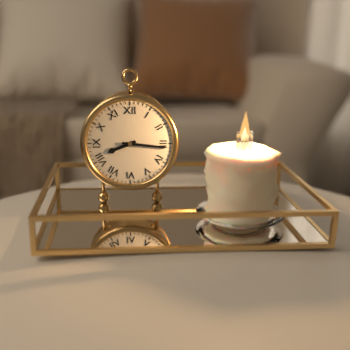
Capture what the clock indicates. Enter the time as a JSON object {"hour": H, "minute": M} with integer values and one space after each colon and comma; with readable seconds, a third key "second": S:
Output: {"hour": 8, "minute": 16}
